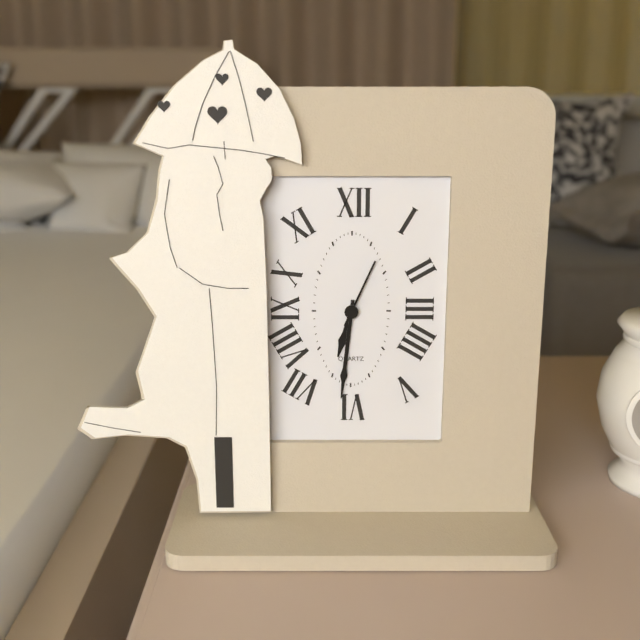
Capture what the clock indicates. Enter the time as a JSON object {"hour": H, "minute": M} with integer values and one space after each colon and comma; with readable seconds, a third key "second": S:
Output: {"hour": 6, "minute": 31, "second": 4}
